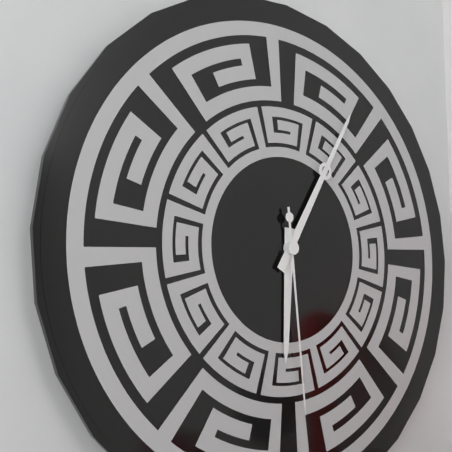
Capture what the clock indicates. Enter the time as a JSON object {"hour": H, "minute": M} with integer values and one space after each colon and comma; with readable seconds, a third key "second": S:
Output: {"hour": 6, "minute": 5, "second": 29}
